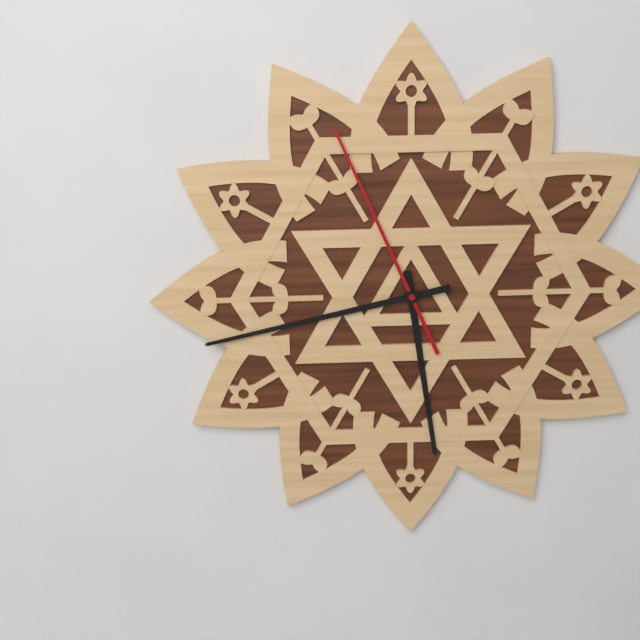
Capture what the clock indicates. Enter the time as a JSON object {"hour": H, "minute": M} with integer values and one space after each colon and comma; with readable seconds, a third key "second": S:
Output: {"hour": 5, "minute": 43, "second": 56}
